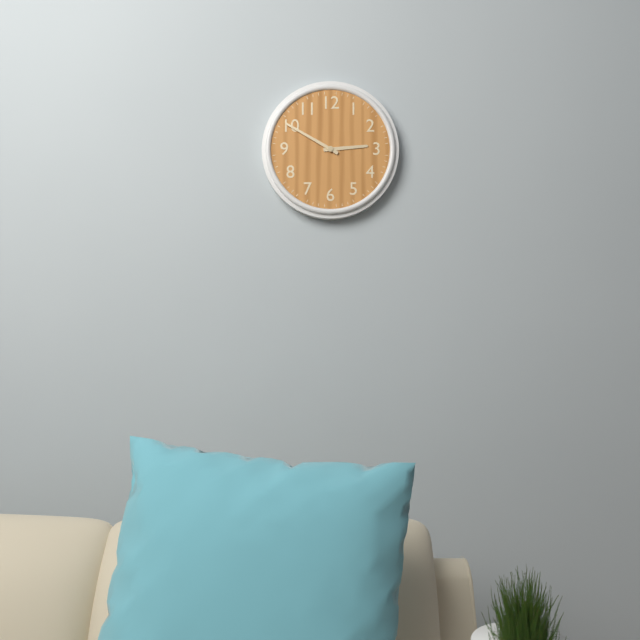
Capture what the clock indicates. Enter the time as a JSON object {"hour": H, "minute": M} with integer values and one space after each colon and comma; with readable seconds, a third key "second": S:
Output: {"hour": 2, "minute": 50}
